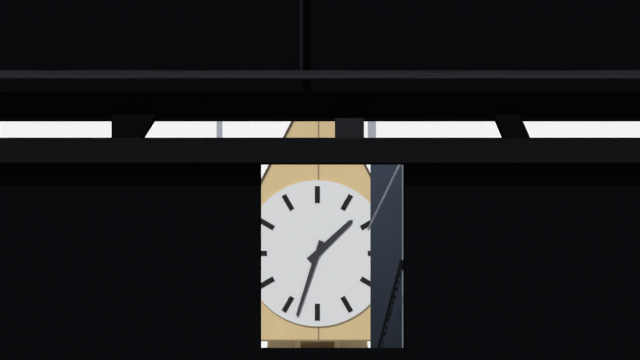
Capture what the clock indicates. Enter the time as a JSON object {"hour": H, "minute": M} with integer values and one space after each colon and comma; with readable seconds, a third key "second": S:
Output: {"hour": 1, "minute": 33}
